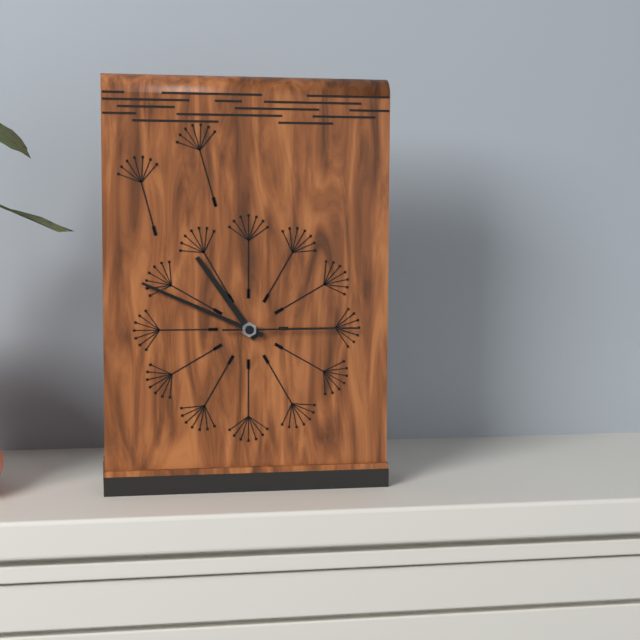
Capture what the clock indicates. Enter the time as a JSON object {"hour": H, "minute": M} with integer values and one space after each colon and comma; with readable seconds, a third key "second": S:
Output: {"hour": 10, "minute": 49, "second": 15}
